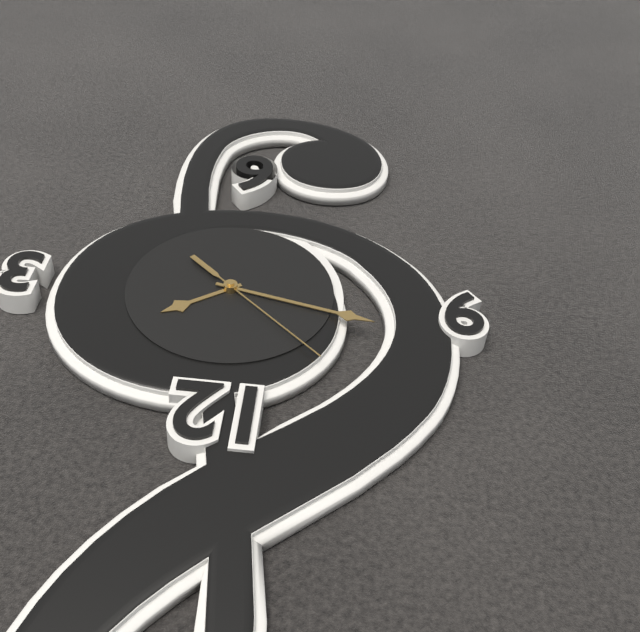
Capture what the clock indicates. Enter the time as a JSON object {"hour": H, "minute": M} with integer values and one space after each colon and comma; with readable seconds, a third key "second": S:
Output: {"hour": 1, "minute": 47, "second": 52}
